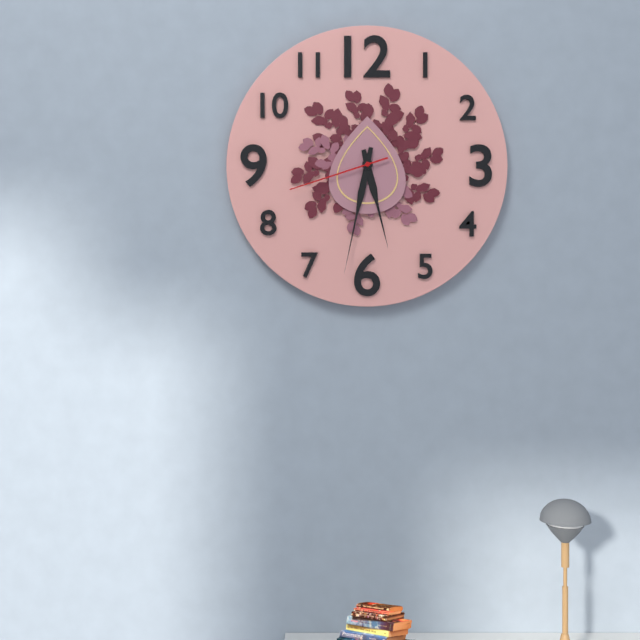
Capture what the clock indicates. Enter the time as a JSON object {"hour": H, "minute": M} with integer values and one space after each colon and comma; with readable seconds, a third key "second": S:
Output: {"hour": 5, "minute": 32, "second": 42}
